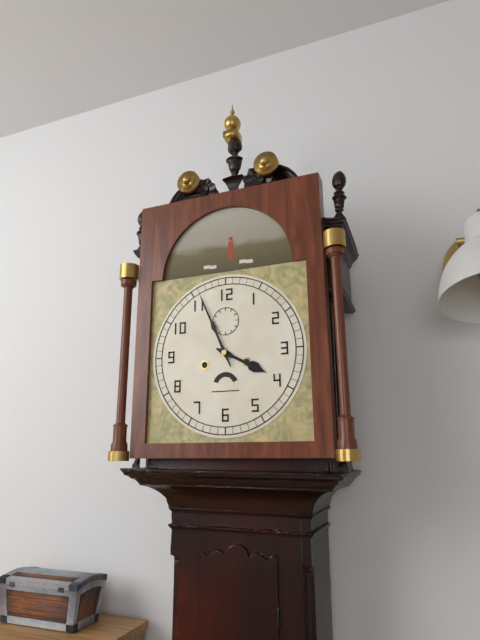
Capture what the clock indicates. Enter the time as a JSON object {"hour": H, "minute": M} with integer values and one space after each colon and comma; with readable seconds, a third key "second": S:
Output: {"hour": 3, "minute": 56}
